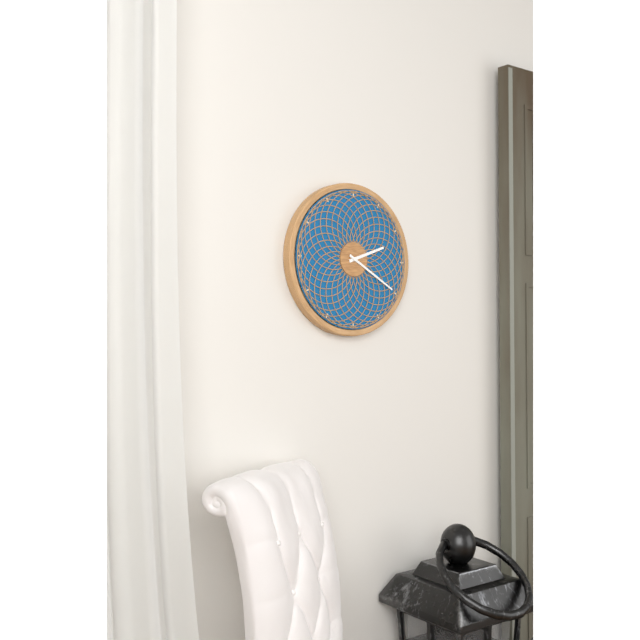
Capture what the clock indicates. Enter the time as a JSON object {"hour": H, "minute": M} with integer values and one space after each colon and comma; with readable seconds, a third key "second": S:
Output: {"hour": 2, "minute": 20}
